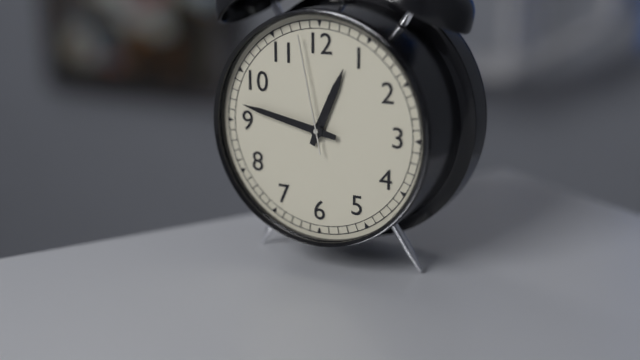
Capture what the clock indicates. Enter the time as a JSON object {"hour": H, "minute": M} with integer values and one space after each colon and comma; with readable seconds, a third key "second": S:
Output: {"hour": 12, "minute": 47, "second": 58}
